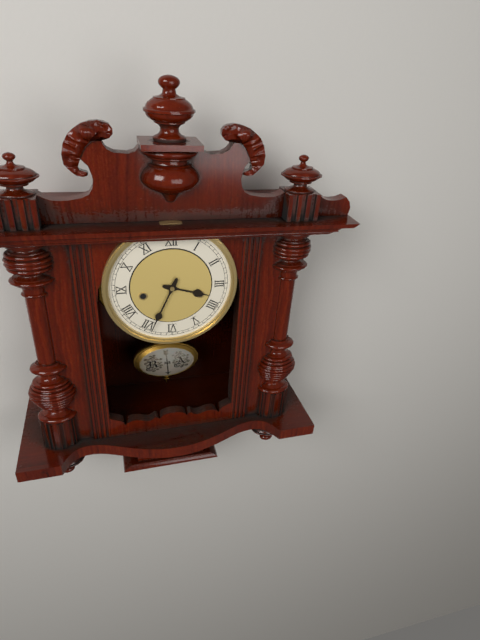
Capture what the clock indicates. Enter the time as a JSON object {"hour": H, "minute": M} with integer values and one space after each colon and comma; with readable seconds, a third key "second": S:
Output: {"hour": 3, "minute": 34}
